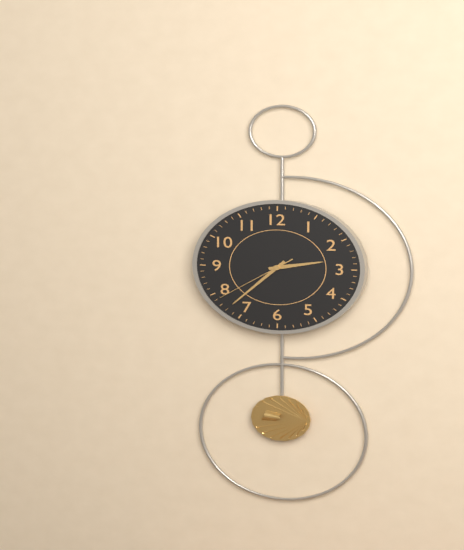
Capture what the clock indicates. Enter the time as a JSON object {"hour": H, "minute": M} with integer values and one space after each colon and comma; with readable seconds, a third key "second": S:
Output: {"hour": 2, "minute": 37, "second": 39}
